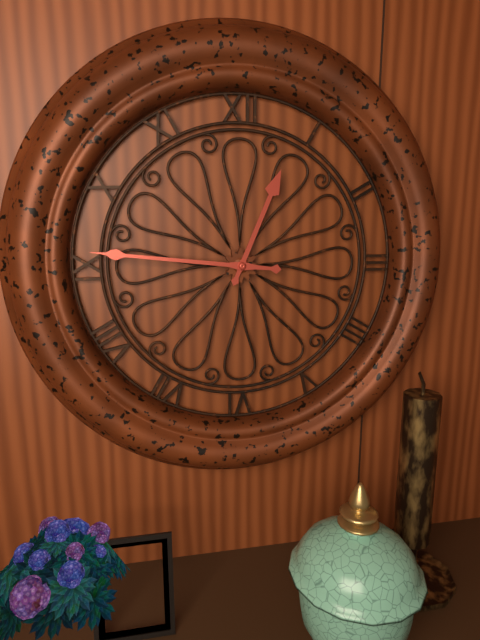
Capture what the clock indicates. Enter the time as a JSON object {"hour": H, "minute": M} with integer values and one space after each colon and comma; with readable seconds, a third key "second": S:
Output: {"hour": 12, "minute": 46}
